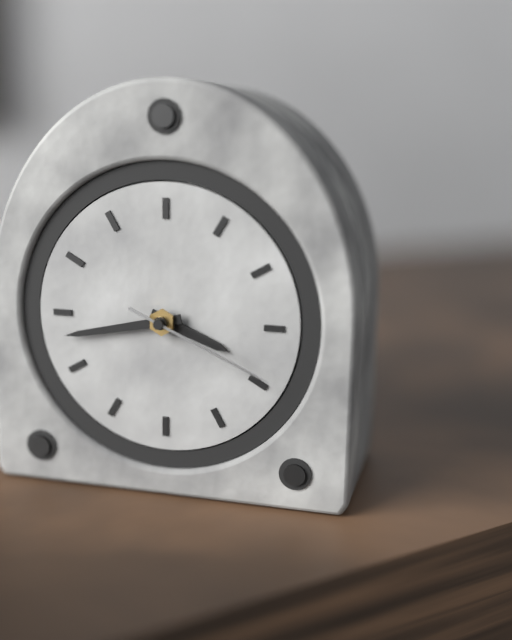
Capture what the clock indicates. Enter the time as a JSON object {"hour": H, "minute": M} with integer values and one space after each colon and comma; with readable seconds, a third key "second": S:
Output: {"hour": 3, "minute": 43, "second": 19}
